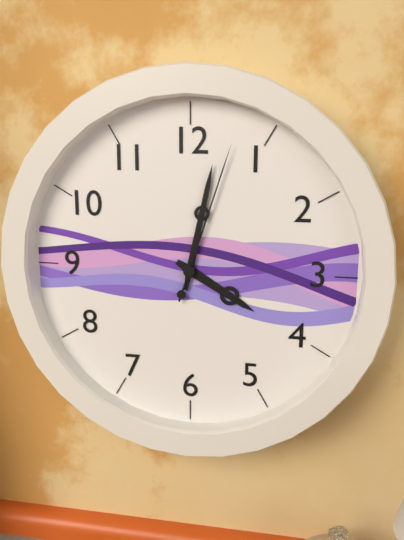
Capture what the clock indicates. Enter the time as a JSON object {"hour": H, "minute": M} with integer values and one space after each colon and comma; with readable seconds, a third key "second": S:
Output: {"hour": 4, "minute": 2, "second": 3}
